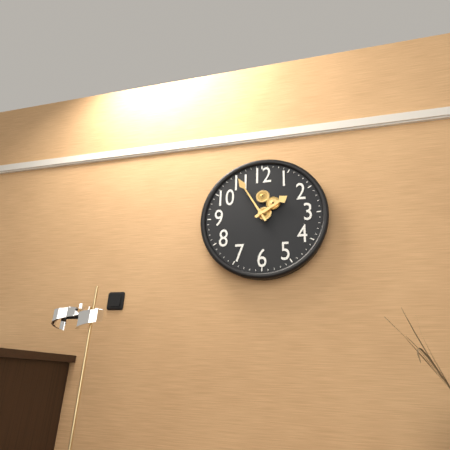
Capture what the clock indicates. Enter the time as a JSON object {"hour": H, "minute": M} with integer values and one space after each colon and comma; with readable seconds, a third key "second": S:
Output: {"hour": 1, "minute": 55}
